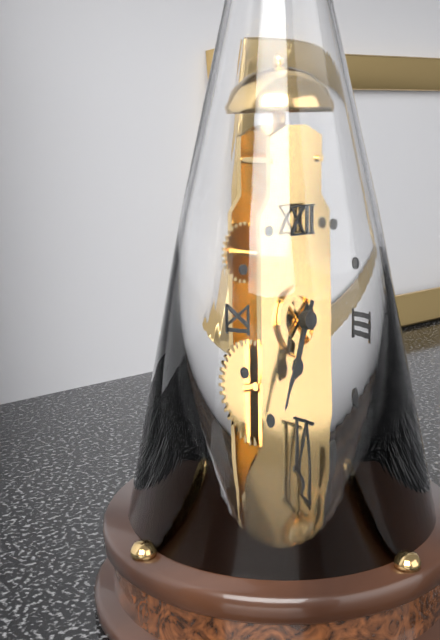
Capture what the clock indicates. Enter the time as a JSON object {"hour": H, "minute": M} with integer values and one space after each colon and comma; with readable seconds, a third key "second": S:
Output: {"hour": 6, "minute": 34}
